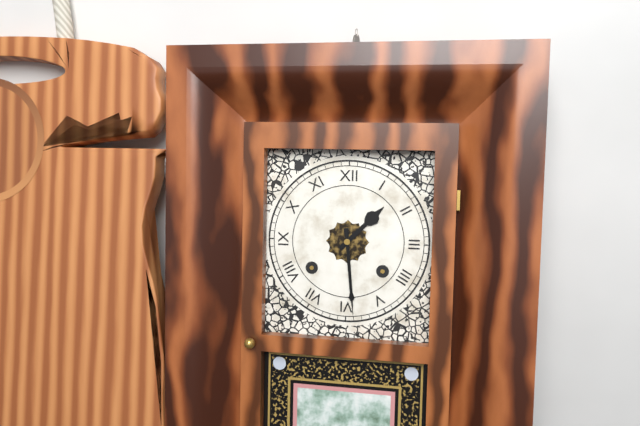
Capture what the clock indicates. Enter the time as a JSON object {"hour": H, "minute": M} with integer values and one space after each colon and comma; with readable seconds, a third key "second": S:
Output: {"hour": 1, "minute": 29}
